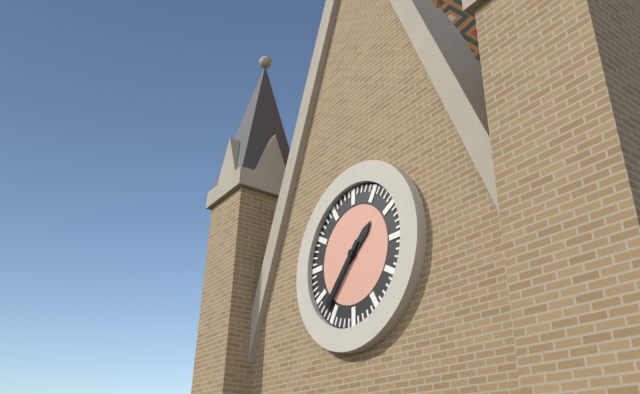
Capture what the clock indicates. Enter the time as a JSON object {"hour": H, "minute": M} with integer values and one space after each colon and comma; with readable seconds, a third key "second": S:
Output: {"hour": 1, "minute": 37}
